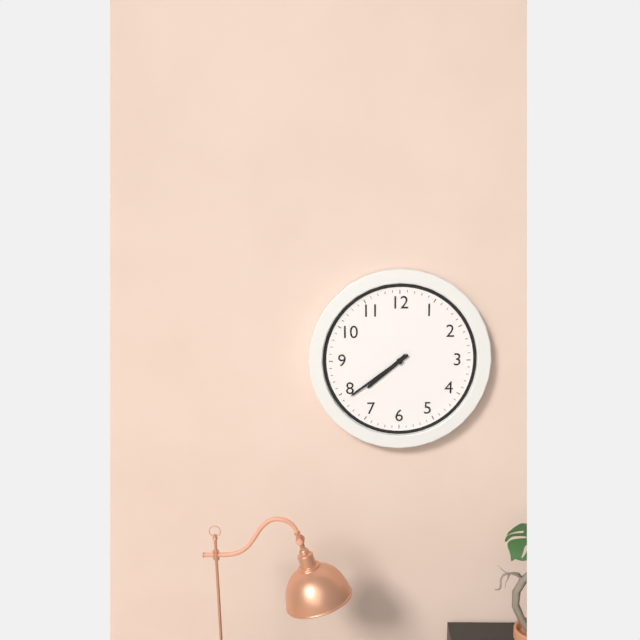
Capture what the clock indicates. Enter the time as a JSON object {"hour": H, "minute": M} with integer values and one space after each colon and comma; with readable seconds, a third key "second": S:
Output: {"hour": 7, "minute": 39}
